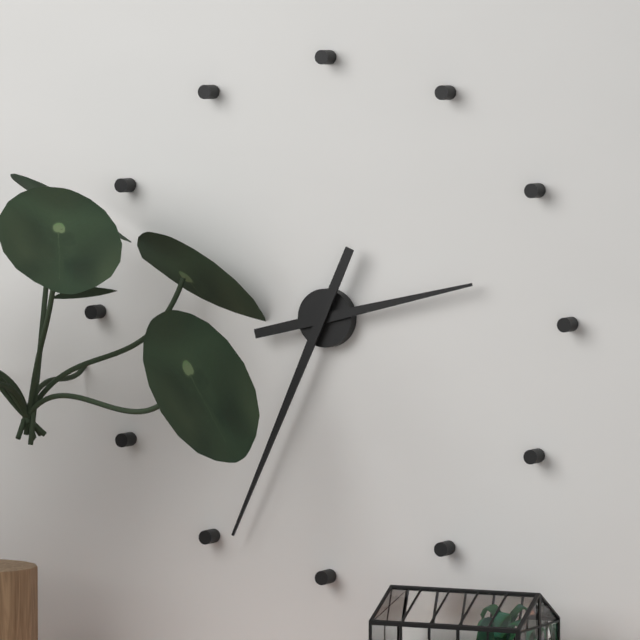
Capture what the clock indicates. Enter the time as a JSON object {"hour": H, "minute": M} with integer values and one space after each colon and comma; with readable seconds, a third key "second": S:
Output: {"hour": 2, "minute": 34}
